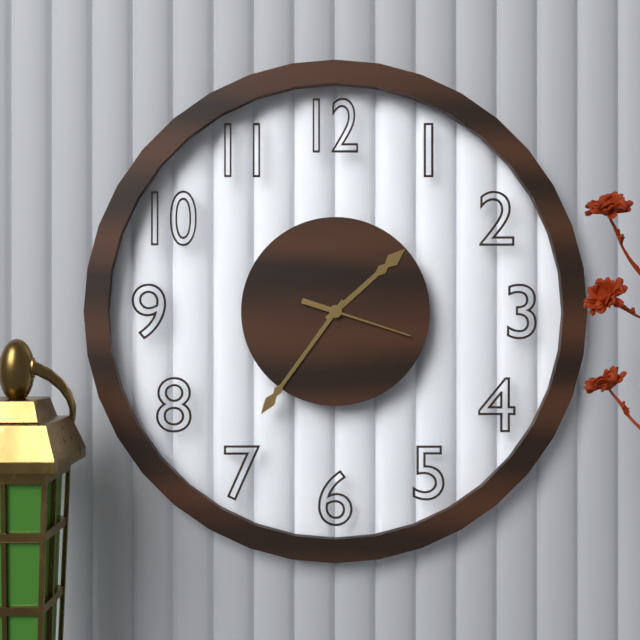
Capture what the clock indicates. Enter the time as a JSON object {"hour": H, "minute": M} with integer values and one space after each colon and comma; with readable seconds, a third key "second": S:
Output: {"hour": 1, "minute": 36, "second": 18}
